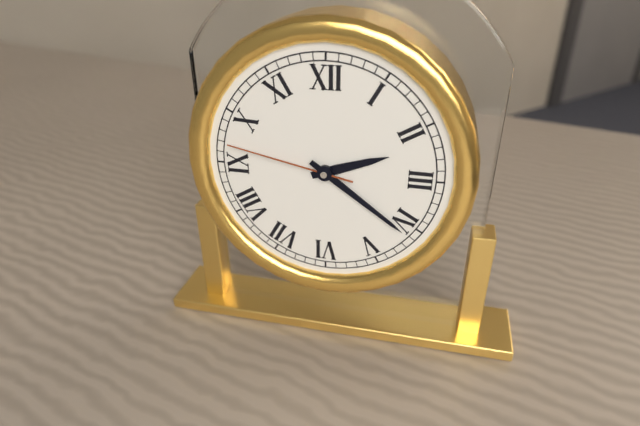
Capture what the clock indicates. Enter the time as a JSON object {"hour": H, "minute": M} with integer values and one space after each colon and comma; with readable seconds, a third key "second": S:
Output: {"hour": 2, "minute": 21, "second": 47}
